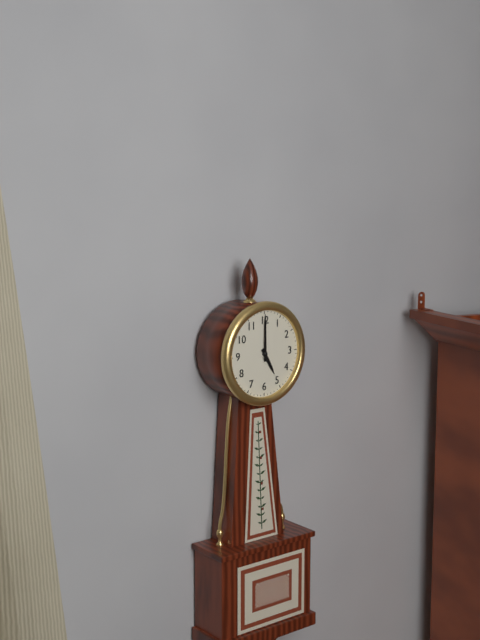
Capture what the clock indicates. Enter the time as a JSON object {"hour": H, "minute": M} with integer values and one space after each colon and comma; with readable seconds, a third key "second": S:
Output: {"hour": 5, "minute": 0}
